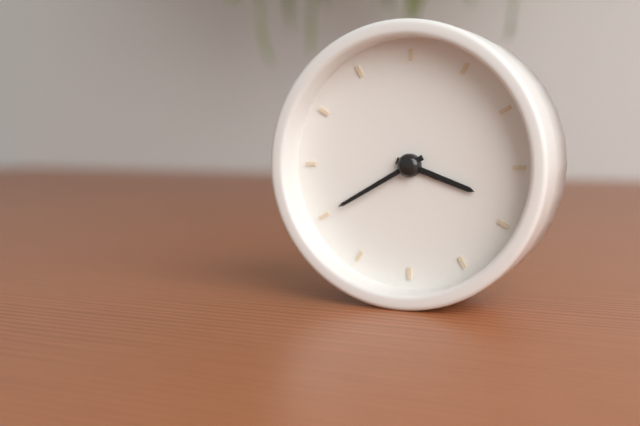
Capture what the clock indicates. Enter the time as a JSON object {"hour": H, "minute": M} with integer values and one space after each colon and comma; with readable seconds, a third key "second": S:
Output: {"hour": 3, "minute": 40}
